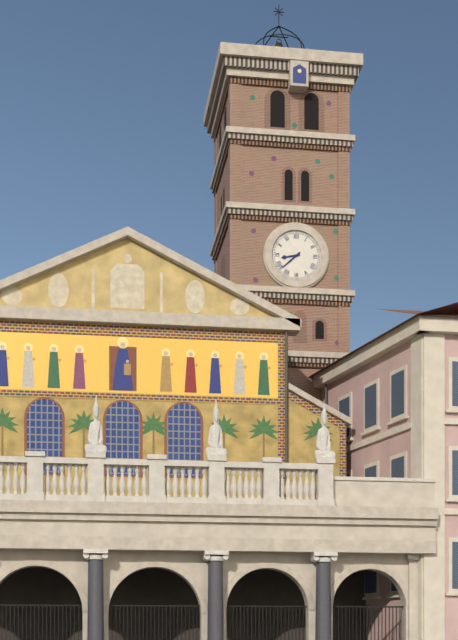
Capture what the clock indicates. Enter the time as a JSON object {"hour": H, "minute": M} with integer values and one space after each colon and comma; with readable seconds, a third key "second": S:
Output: {"hour": 8, "minute": 38}
